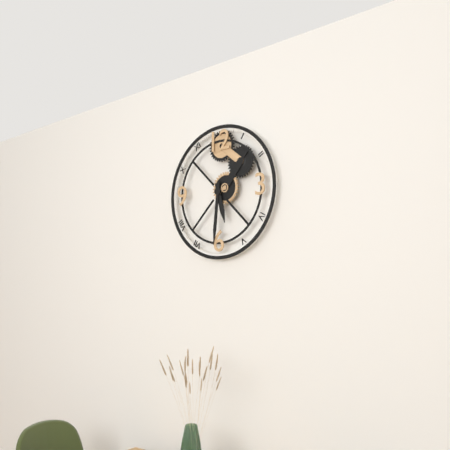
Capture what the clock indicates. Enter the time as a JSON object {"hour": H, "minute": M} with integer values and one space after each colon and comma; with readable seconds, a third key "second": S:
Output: {"hour": 5, "minute": 31}
